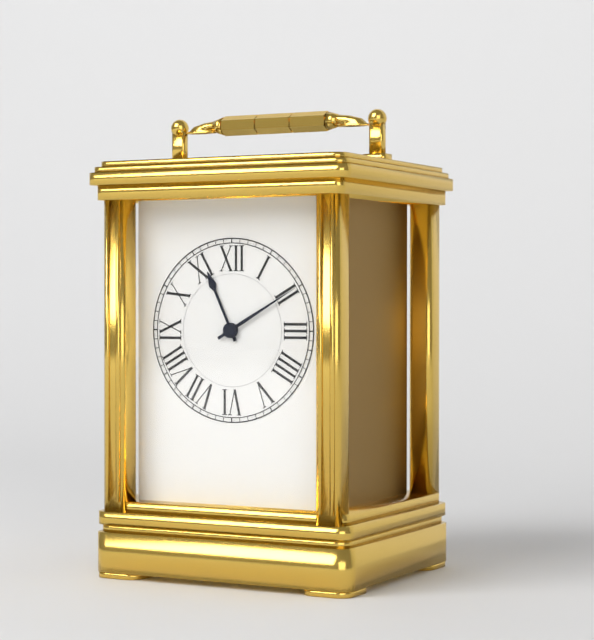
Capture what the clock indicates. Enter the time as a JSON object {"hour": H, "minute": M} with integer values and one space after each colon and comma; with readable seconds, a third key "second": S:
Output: {"hour": 11, "minute": 10}
